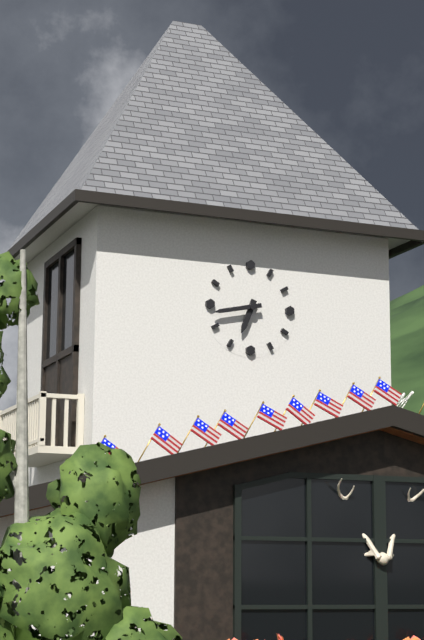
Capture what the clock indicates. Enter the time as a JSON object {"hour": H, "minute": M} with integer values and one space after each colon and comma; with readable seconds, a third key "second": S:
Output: {"hour": 6, "minute": 43}
